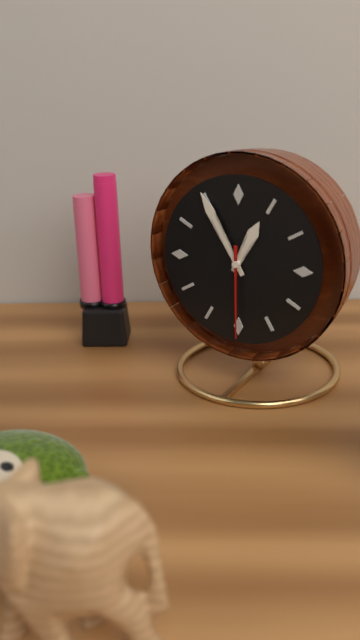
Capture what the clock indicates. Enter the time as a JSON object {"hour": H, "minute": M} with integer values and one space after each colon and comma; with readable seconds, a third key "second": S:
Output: {"hour": 12, "minute": 55, "second": 30}
